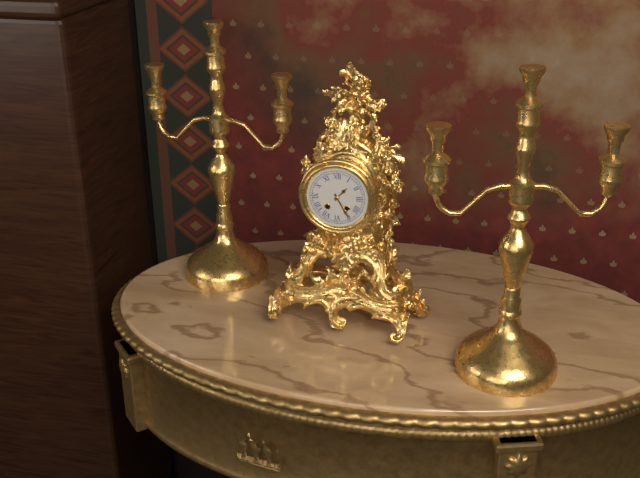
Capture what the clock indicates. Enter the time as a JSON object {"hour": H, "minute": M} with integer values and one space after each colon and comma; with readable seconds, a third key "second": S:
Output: {"hour": 1, "minute": 25}
